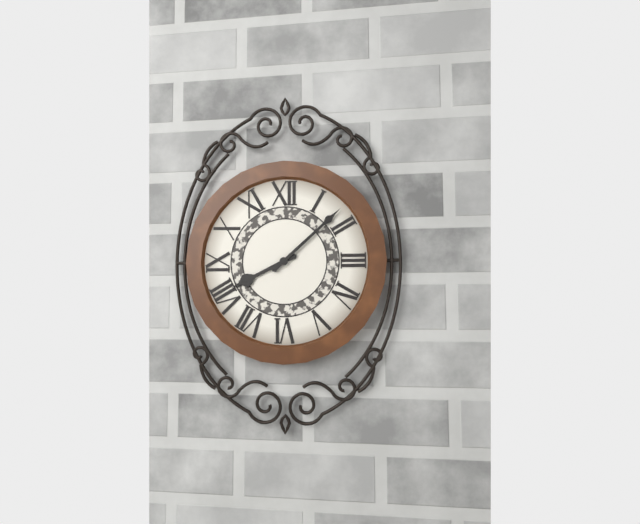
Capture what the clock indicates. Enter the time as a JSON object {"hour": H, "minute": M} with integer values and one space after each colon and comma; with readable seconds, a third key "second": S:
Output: {"hour": 8, "minute": 8}
